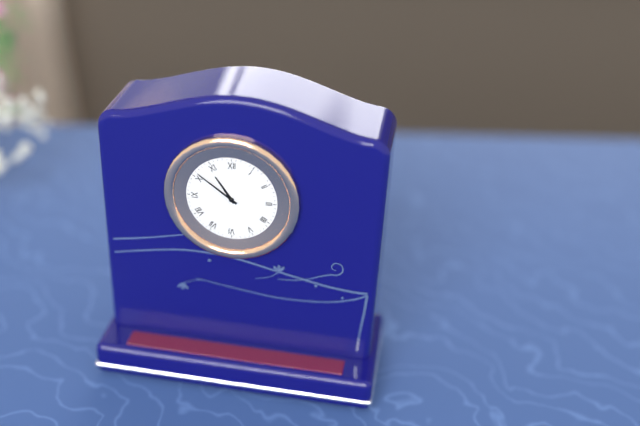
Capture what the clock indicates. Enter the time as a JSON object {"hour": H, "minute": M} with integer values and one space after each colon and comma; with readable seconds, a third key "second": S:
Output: {"hour": 10, "minute": 51}
